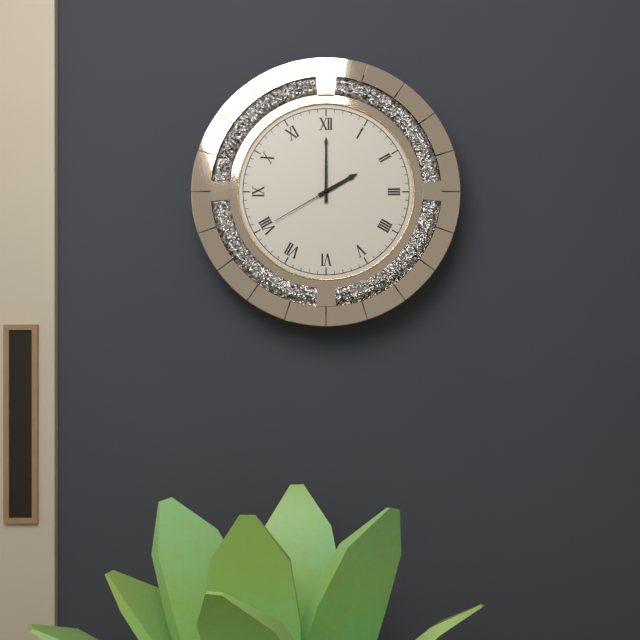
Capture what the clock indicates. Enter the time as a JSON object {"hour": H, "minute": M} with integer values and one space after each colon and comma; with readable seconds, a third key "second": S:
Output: {"hour": 2, "minute": 0, "second": 40}
